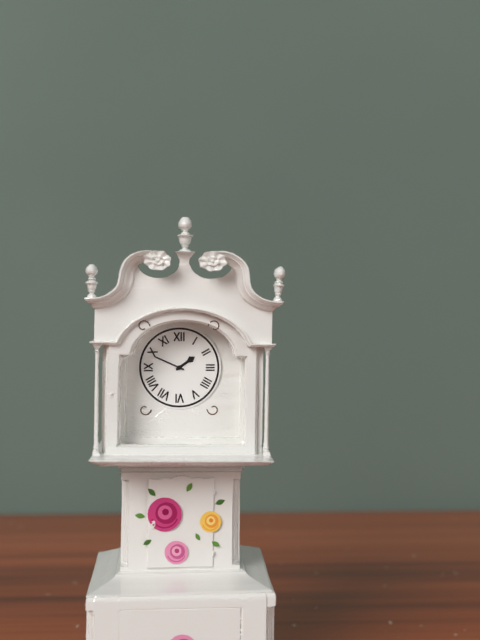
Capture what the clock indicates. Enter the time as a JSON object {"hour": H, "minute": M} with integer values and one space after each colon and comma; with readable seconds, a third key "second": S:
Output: {"hour": 1, "minute": 49}
